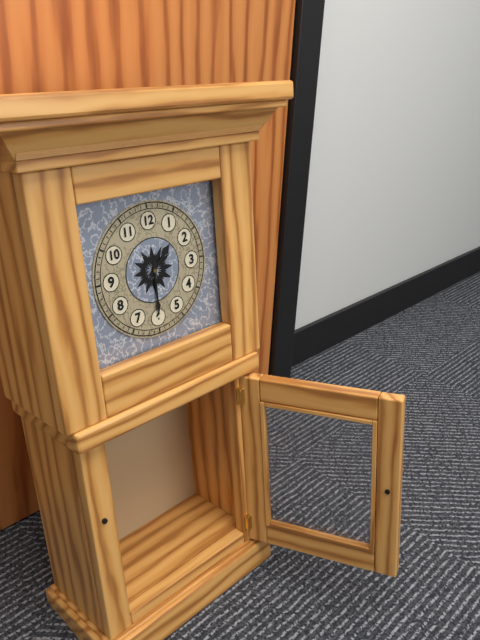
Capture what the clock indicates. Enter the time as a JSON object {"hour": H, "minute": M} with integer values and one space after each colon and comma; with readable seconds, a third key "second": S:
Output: {"hour": 1, "minute": 30}
